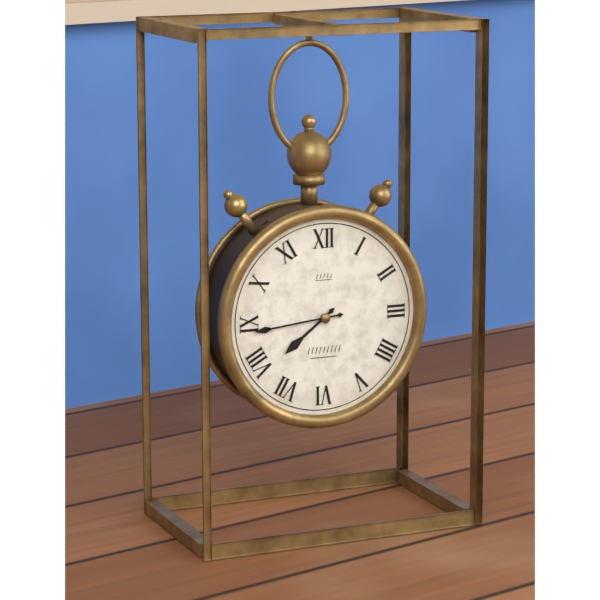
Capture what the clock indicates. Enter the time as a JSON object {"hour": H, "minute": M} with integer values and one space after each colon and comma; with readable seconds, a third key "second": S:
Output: {"hour": 7, "minute": 44}
